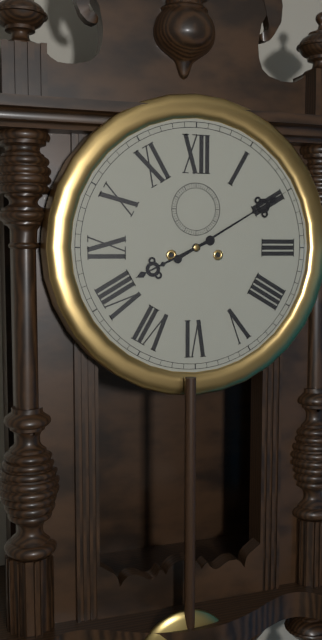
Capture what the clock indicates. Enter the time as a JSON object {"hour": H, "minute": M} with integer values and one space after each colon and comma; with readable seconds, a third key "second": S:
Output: {"hour": 8, "minute": 10}
